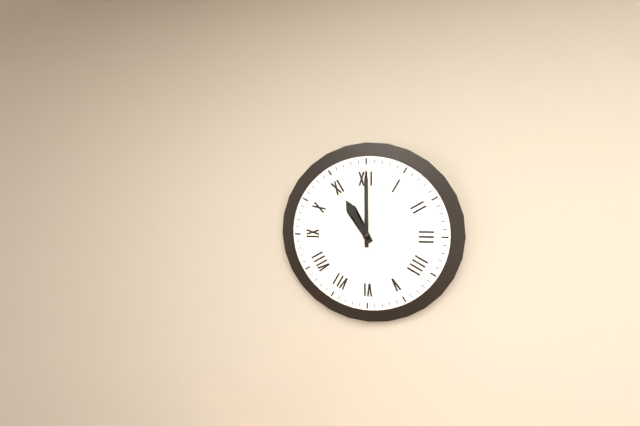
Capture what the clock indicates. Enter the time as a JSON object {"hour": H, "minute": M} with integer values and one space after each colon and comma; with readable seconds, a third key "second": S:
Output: {"hour": 11, "minute": 0}
